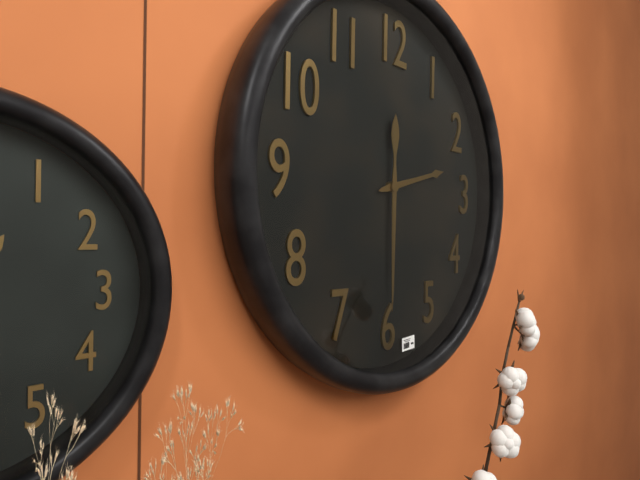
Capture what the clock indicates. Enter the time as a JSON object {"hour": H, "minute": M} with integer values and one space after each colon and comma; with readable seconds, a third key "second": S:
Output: {"hour": 2, "minute": 30}
